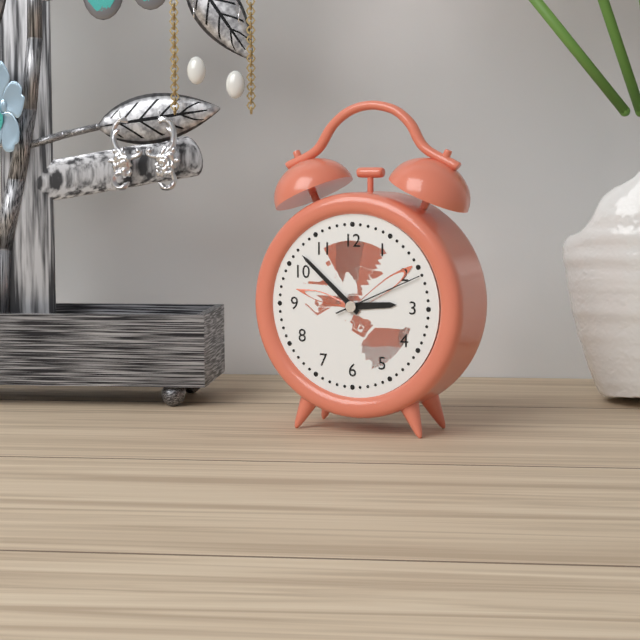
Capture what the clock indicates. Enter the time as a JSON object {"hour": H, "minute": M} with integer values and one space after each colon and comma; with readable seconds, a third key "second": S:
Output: {"hour": 2, "minute": 52, "second": 11}
